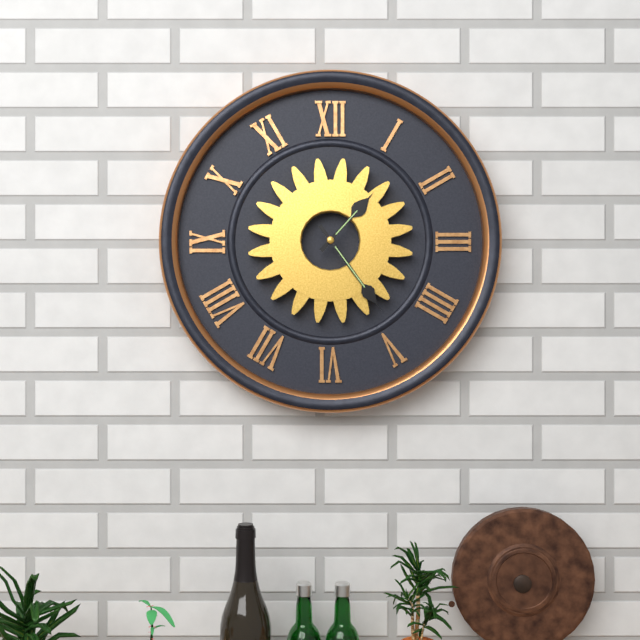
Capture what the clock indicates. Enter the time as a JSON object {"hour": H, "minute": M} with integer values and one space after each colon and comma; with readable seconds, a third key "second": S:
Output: {"hour": 1, "minute": 24}
